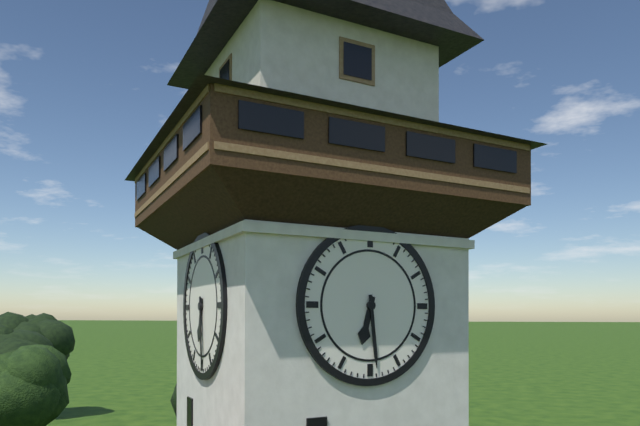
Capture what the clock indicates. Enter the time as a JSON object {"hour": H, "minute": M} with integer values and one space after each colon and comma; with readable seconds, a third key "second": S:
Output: {"hour": 6, "minute": 29}
